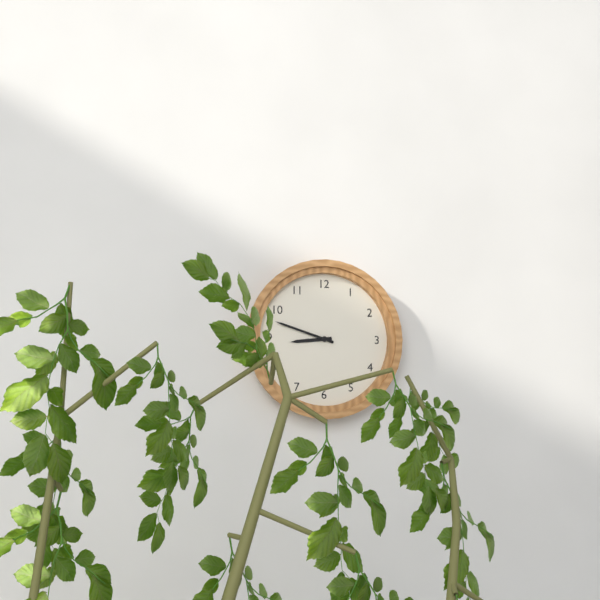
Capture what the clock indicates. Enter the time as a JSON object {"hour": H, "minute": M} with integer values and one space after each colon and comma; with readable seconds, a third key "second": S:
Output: {"hour": 8, "minute": 48}
